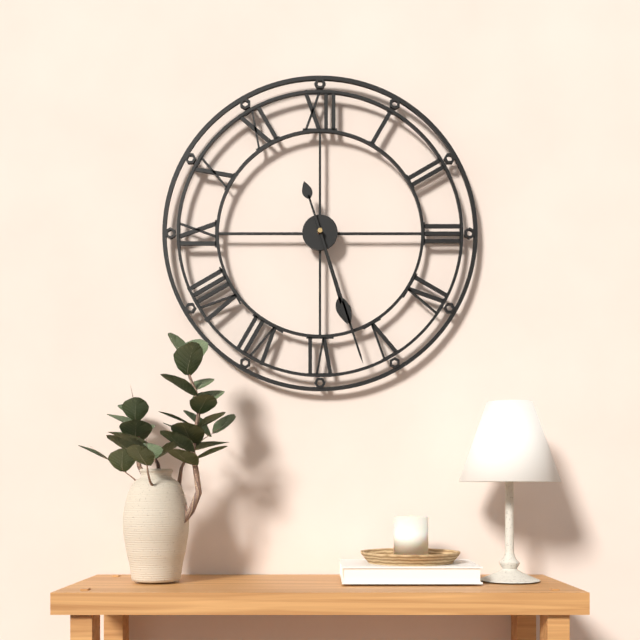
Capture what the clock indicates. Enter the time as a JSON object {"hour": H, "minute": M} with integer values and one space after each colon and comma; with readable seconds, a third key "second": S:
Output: {"hour": 5, "minute": 27}
